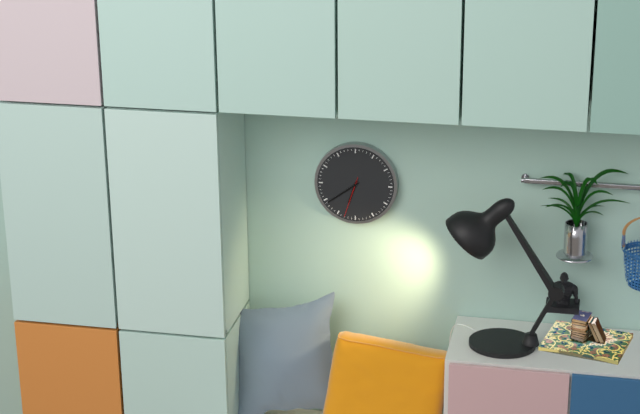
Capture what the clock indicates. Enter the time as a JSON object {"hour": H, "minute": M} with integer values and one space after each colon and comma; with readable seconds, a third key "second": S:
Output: {"hour": 6, "minute": 39}
